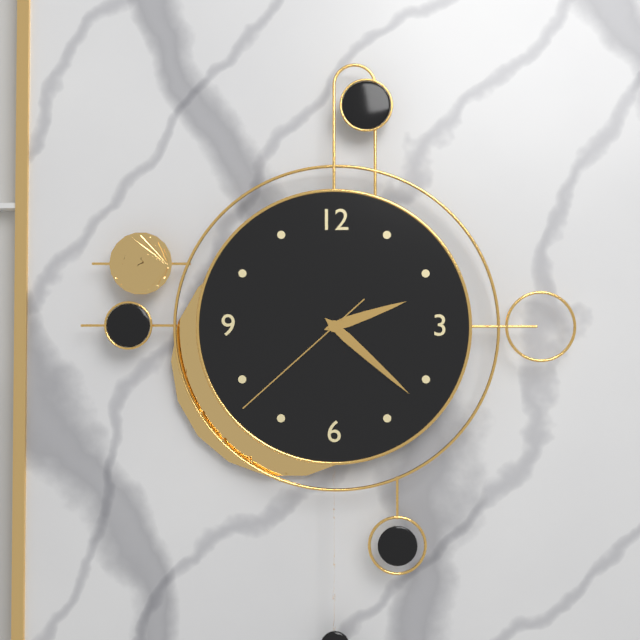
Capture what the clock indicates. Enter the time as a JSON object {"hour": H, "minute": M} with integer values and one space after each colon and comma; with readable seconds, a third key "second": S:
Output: {"hour": 2, "minute": 22, "second": 38}
